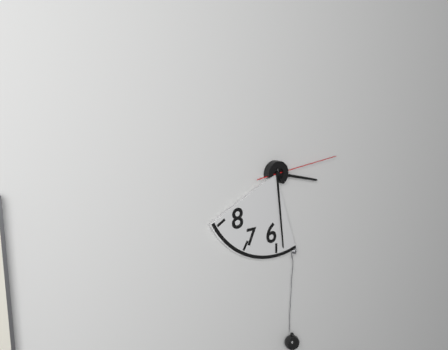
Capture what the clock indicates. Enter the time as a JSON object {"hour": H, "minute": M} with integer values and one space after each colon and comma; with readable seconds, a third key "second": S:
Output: {"hour": 3, "minute": 29, "second": 14}
